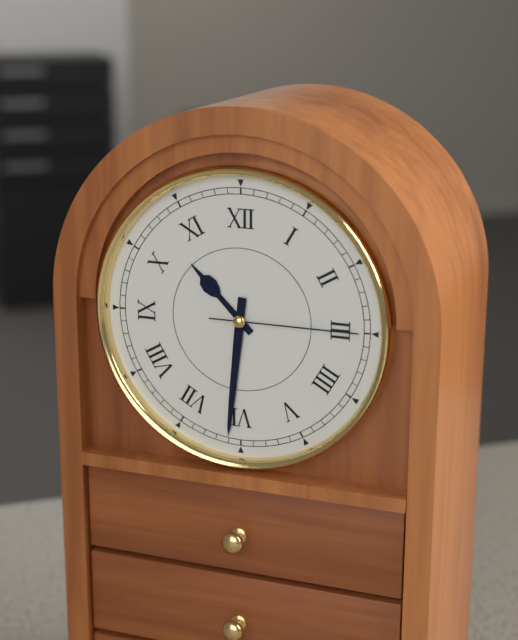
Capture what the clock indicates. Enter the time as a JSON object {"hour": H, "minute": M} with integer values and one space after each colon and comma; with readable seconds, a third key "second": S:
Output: {"hour": 10, "minute": 31, "second": 15}
